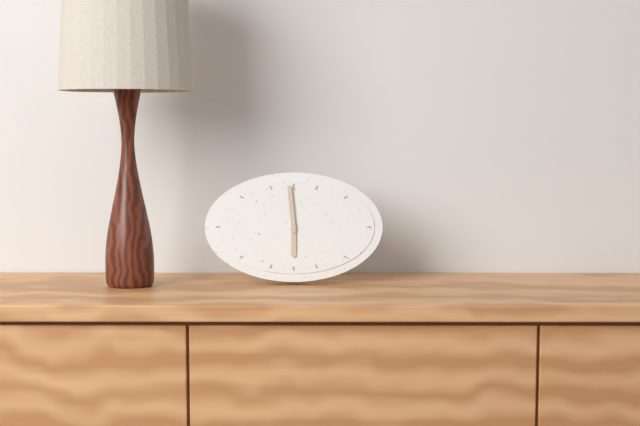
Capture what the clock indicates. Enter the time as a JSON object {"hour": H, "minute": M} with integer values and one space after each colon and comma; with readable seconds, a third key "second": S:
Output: {"hour": 5, "minute": 59}
